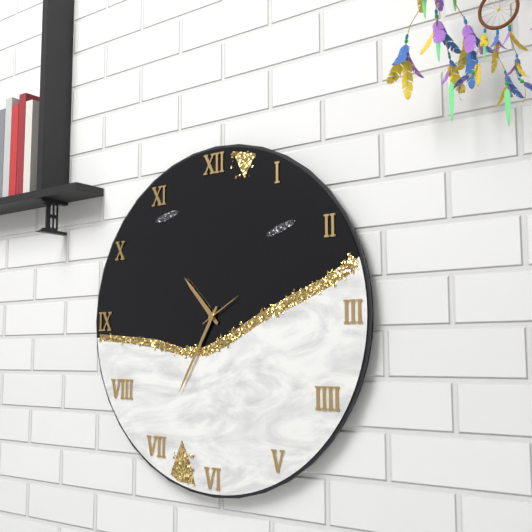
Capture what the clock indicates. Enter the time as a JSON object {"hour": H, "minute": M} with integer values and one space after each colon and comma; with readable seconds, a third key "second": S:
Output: {"hour": 10, "minute": 35}
